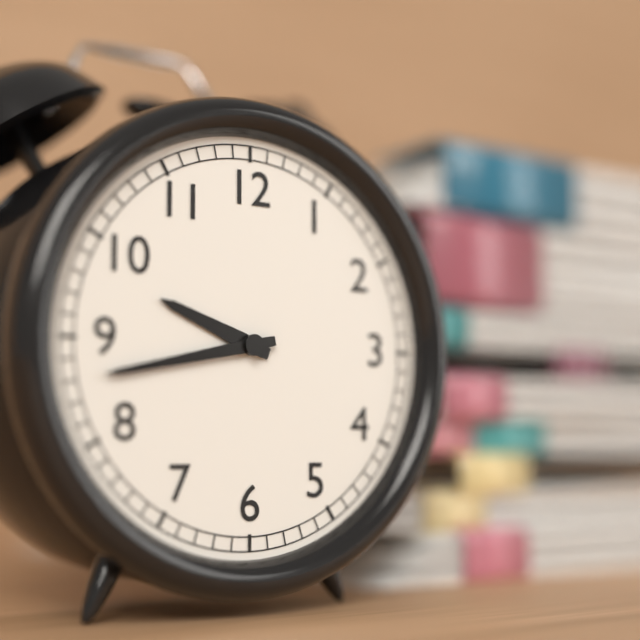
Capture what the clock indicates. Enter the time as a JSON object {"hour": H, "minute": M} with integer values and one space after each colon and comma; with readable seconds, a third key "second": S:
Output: {"hour": 9, "minute": 43}
